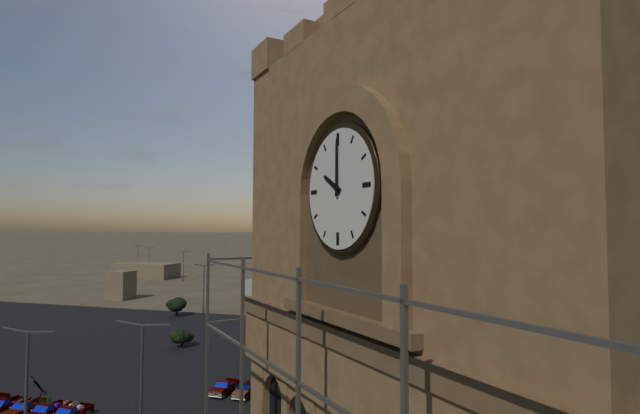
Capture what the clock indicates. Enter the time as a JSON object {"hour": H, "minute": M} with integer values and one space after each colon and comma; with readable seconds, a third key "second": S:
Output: {"hour": 10, "minute": 0}
